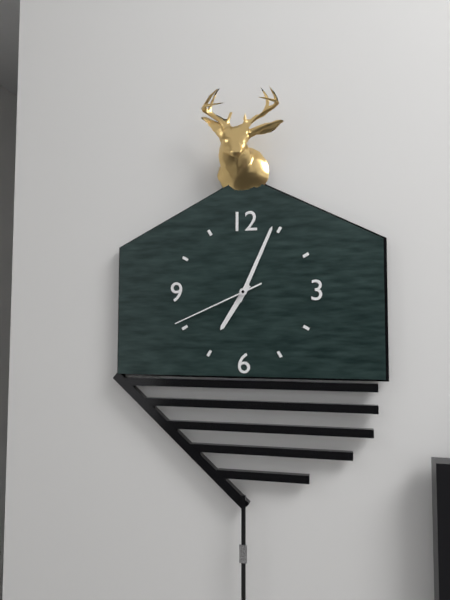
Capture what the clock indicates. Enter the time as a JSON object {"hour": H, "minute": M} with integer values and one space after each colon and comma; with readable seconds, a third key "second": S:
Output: {"hour": 7, "minute": 4, "second": 41}
